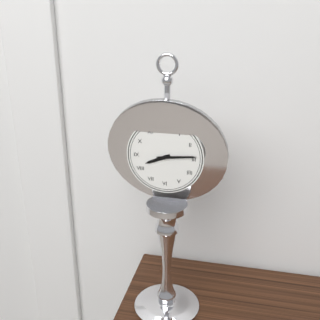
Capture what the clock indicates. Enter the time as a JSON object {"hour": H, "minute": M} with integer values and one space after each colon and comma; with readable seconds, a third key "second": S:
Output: {"hour": 8, "minute": 14}
